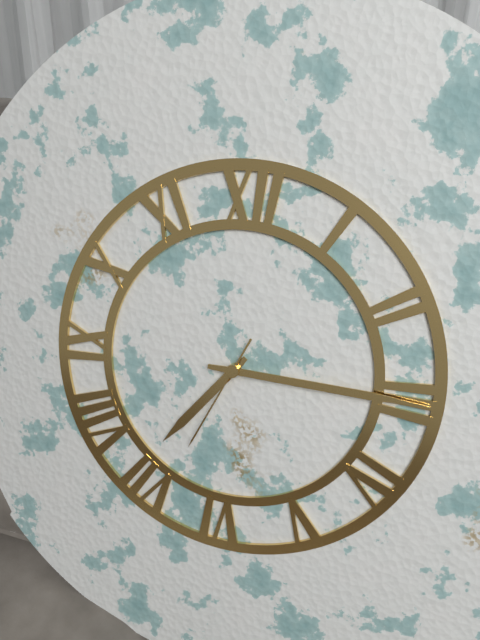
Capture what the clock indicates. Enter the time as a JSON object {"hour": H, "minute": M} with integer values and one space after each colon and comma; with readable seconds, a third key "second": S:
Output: {"hour": 7, "minute": 15, "second": 34}
